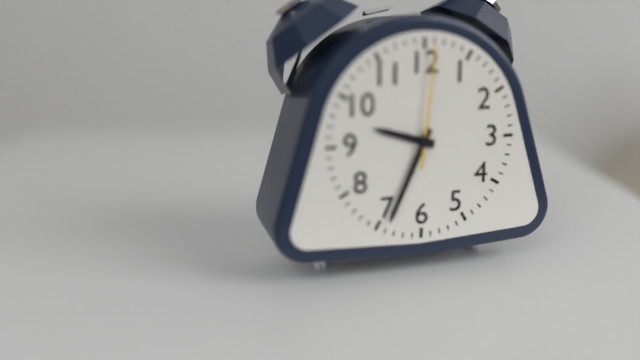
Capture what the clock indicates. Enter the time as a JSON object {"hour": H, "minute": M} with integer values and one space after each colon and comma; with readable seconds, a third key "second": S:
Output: {"hour": 9, "minute": 34, "second": 1}
